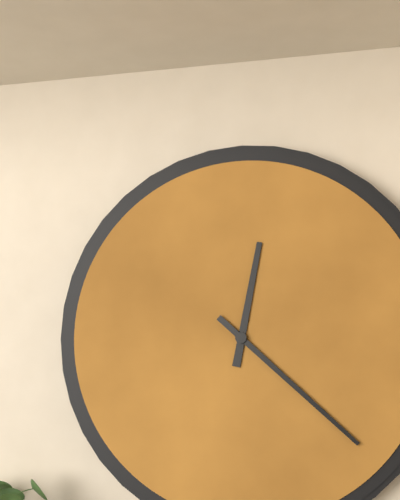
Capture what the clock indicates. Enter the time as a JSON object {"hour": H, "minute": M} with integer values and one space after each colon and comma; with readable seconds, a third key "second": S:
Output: {"hour": 12, "minute": 22}
